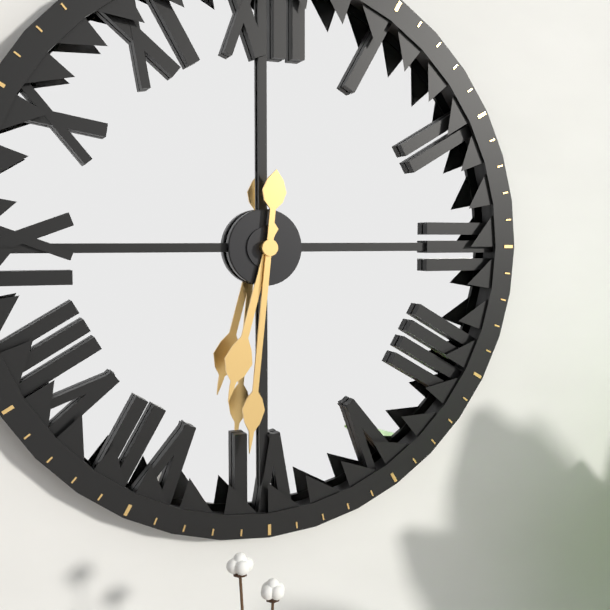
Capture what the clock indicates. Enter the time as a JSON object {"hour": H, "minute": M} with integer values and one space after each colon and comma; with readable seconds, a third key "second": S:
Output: {"hour": 6, "minute": 31}
